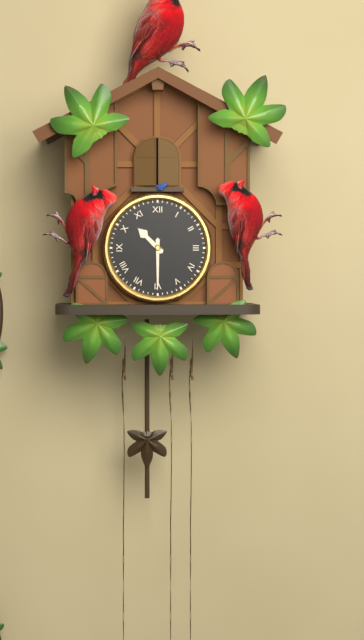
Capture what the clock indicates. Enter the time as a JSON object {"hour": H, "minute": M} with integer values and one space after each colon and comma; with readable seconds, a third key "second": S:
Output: {"hour": 10, "minute": 30}
